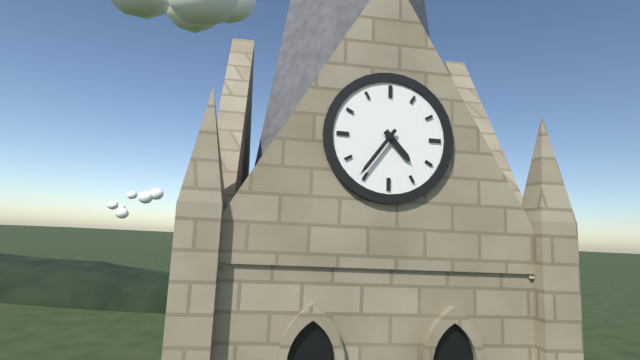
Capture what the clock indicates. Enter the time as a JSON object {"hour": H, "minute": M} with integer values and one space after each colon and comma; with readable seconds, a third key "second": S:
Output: {"hour": 4, "minute": 36}
